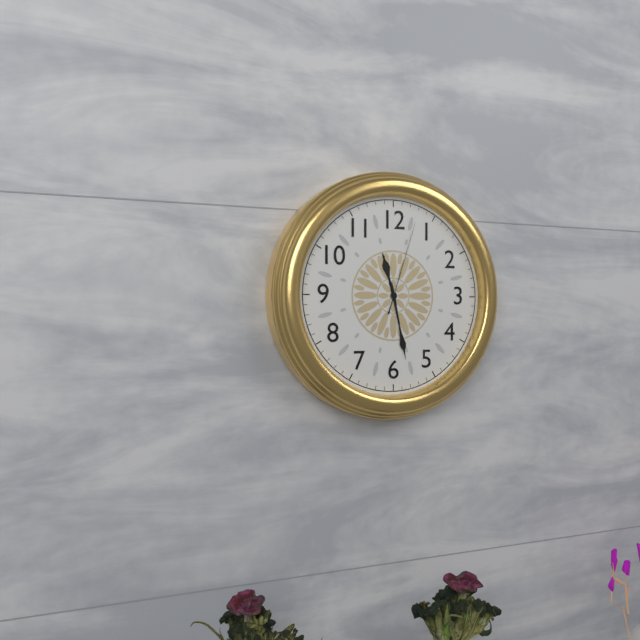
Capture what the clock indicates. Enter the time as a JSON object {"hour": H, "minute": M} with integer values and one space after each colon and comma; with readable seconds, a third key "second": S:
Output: {"hour": 11, "minute": 28, "second": 3}
